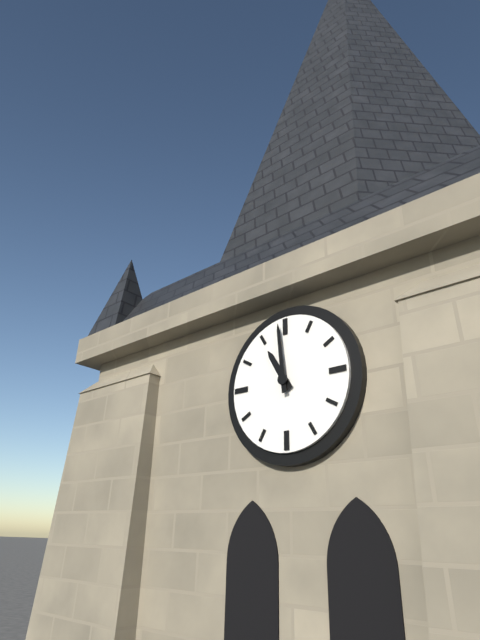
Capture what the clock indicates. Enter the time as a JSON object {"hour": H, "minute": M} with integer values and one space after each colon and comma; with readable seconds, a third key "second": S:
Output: {"hour": 10, "minute": 59}
